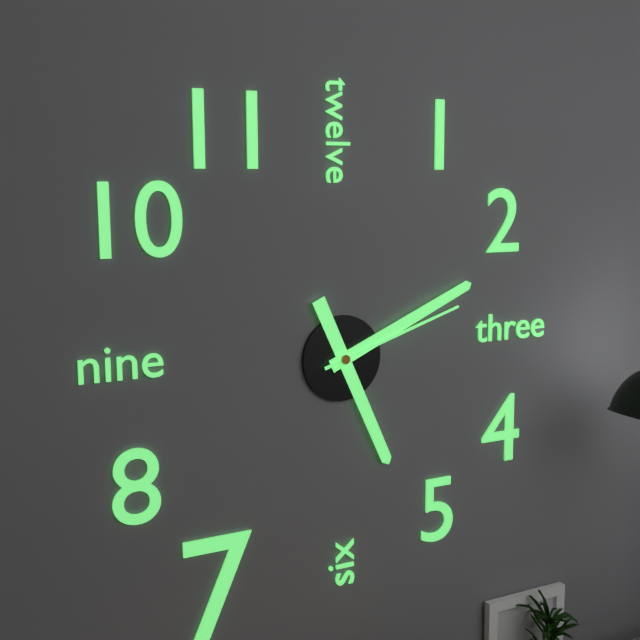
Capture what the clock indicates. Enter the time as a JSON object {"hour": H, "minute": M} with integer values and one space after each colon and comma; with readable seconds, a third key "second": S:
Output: {"hour": 5, "minute": 11, "second": 12}
